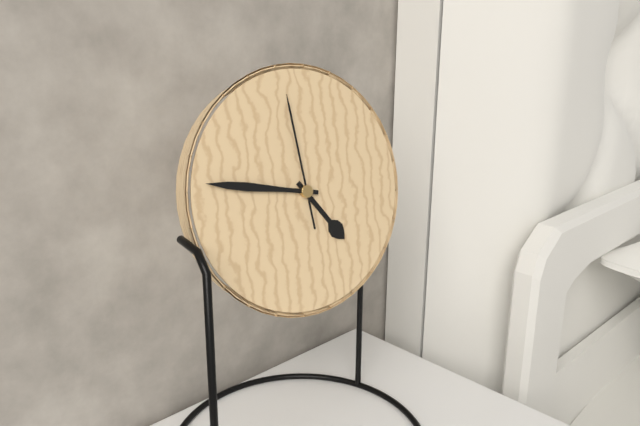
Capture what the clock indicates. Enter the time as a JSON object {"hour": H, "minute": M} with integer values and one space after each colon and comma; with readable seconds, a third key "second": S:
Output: {"hour": 4, "minute": 47, "second": 59}
